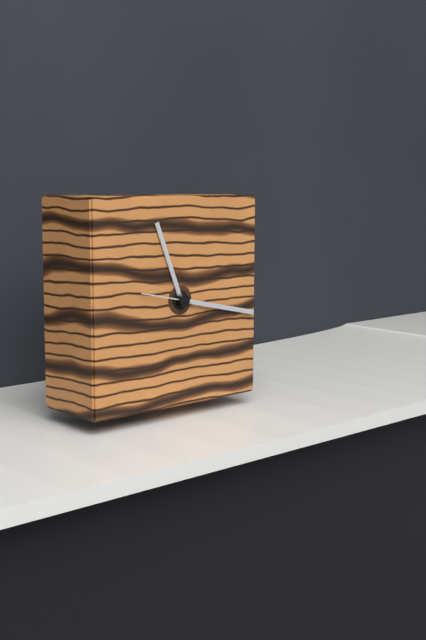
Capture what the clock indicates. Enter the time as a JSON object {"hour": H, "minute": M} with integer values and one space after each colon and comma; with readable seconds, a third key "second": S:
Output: {"hour": 11, "minute": 17, "second": 47}
